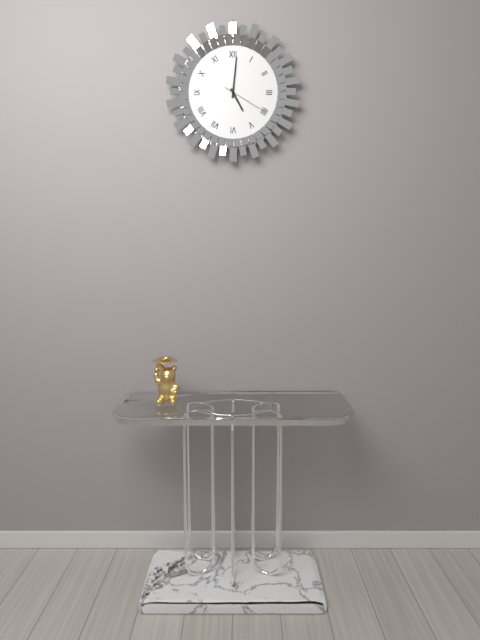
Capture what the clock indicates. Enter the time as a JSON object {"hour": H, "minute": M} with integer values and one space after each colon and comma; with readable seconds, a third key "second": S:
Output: {"hour": 5, "minute": 1}
